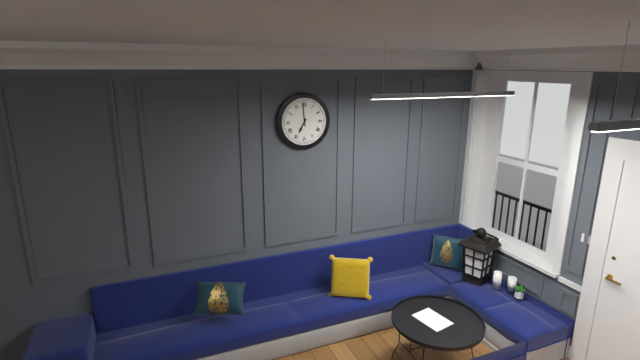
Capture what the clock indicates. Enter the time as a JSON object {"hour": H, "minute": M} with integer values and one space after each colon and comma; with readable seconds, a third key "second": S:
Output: {"hour": 6, "minute": 59}
